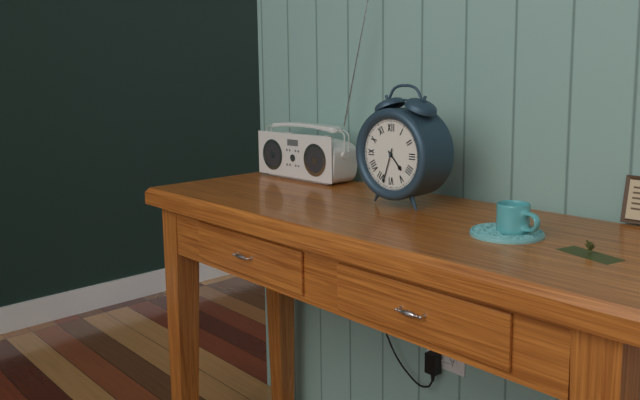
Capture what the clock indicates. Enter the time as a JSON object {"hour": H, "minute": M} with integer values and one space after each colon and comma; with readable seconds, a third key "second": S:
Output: {"hour": 4, "minute": 33}
